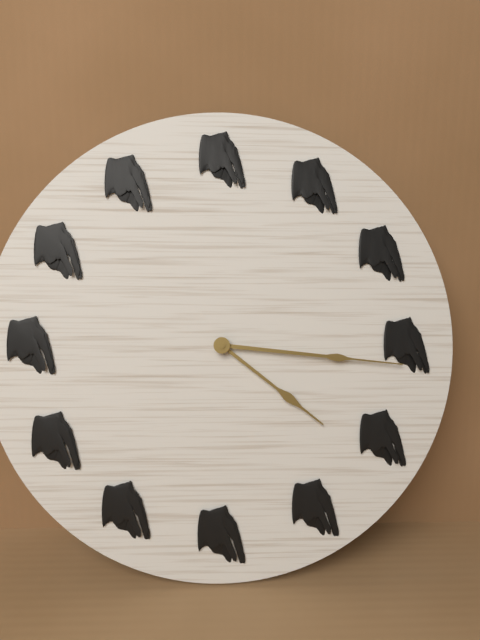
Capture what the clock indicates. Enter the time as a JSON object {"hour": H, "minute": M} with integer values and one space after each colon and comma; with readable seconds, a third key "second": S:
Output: {"hour": 4, "minute": 16}
